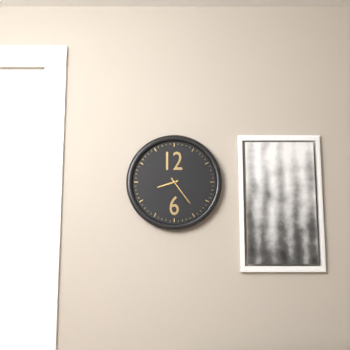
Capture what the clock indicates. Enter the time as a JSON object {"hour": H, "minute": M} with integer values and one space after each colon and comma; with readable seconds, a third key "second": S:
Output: {"hour": 8, "minute": 24}
